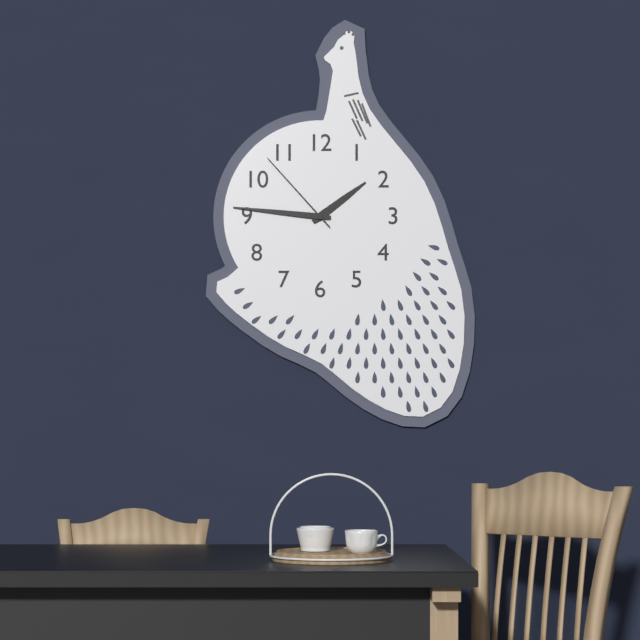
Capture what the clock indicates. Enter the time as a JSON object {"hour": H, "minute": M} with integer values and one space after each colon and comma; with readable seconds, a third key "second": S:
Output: {"hour": 1, "minute": 46, "second": 53}
